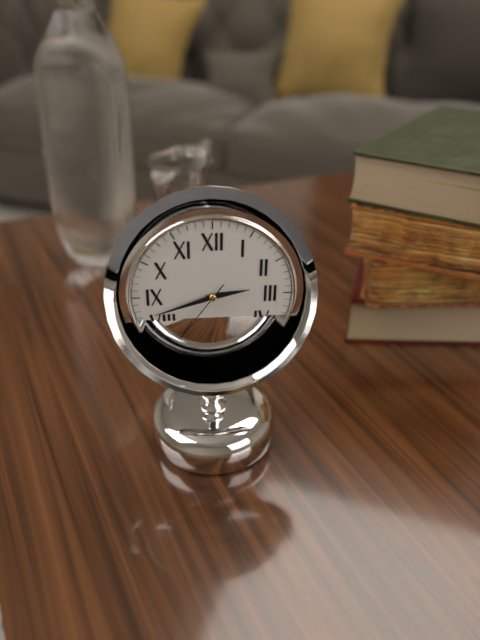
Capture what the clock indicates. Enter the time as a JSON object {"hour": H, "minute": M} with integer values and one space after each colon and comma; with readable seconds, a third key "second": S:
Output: {"hour": 2, "minute": 42, "second": 36}
